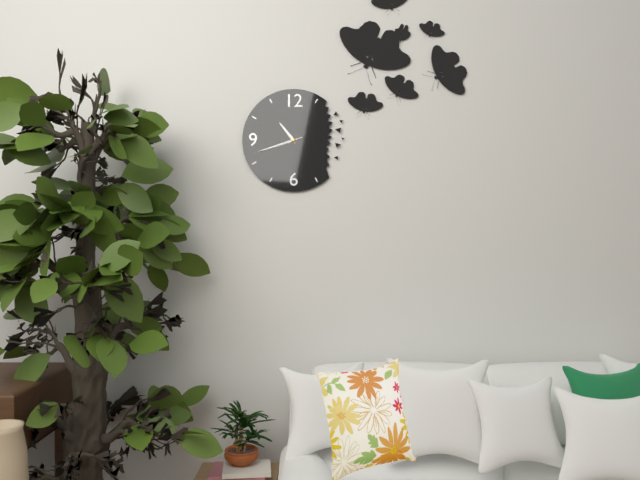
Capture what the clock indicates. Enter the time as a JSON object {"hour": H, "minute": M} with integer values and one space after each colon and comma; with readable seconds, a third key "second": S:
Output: {"hour": 10, "minute": 42, "second": 42}
